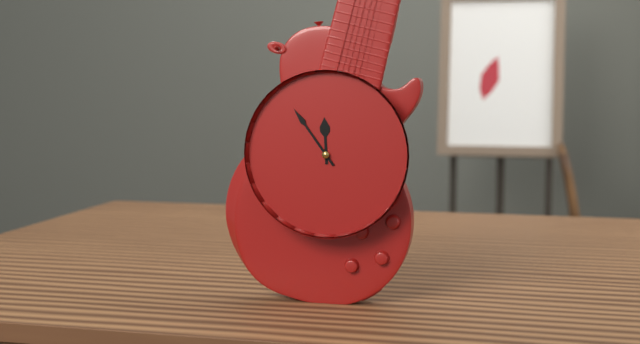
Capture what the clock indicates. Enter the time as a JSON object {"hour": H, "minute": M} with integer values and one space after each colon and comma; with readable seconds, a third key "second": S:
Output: {"hour": 11, "minute": 54}
